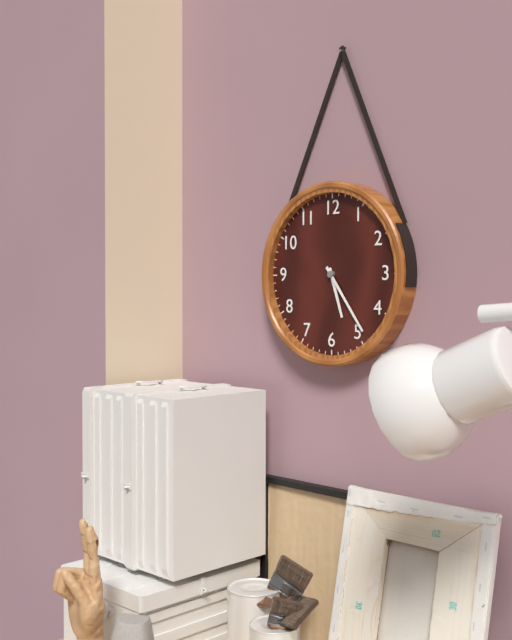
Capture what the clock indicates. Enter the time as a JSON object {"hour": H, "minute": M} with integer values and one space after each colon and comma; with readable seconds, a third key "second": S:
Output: {"hour": 5, "minute": 24}
